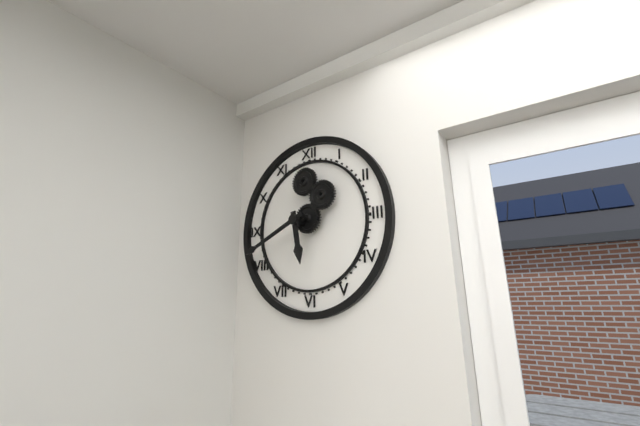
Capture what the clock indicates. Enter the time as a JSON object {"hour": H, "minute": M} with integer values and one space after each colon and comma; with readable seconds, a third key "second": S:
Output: {"hour": 5, "minute": 41}
